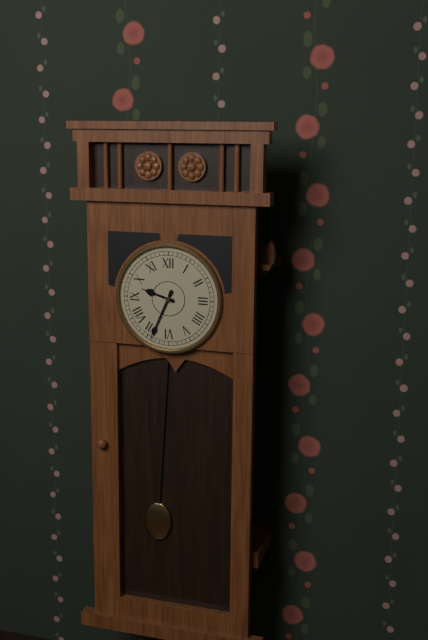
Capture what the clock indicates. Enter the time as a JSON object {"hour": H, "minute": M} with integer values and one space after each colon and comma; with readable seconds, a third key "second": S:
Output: {"hour": 9, "minute": 34}
